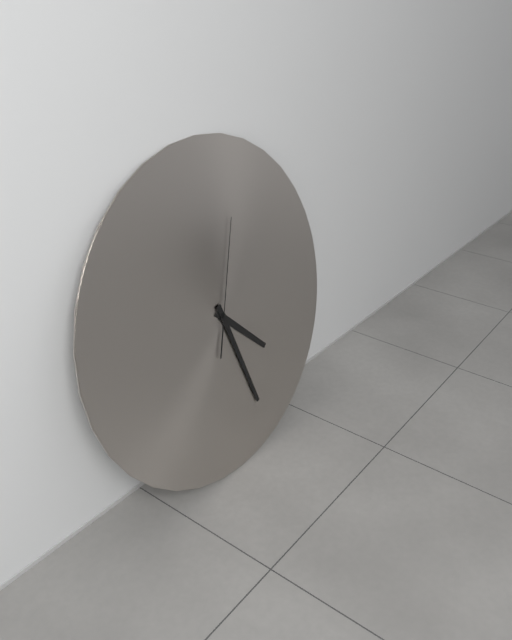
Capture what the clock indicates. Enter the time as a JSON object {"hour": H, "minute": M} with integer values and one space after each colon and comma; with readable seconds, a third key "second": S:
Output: {"hour": 4, "minute": 27, "second": 3}
